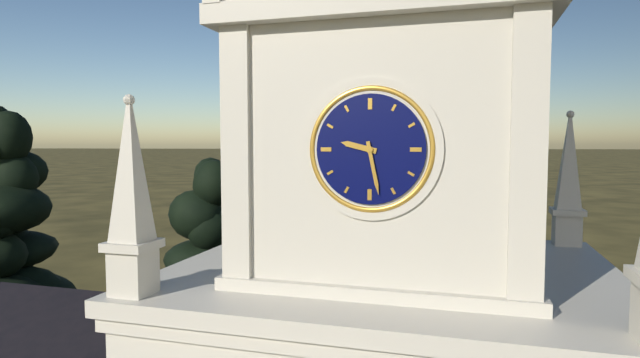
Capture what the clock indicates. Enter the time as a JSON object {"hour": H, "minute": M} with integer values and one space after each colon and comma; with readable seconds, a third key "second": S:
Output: {"hour": 9, "minute": 28}
